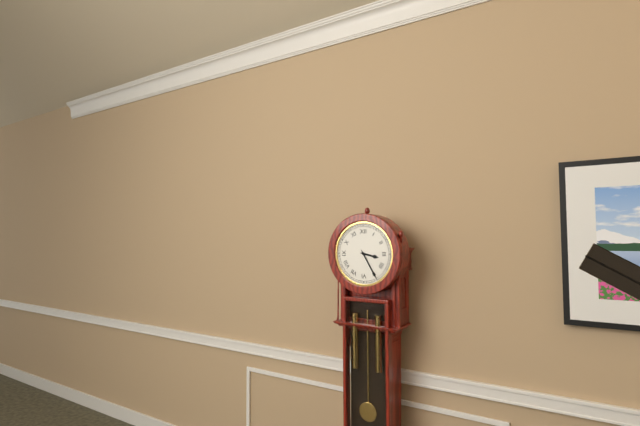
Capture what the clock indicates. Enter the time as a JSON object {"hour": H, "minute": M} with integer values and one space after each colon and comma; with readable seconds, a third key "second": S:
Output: {"hour": 3, "minute": 25}
